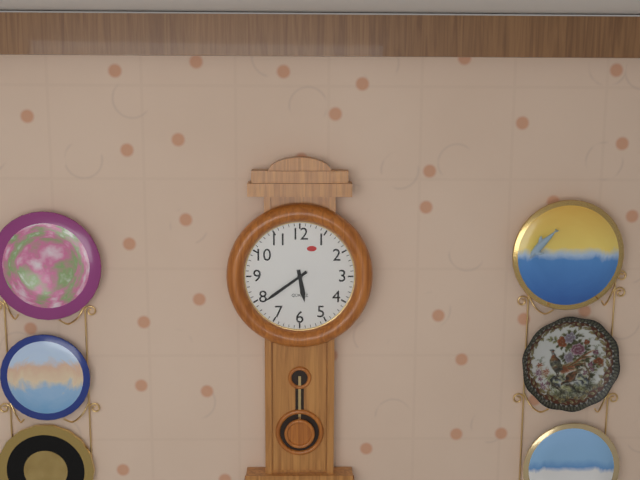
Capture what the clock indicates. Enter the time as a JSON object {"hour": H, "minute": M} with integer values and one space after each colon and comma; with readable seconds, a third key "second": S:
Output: {"hour": 5, "minute": 39}
